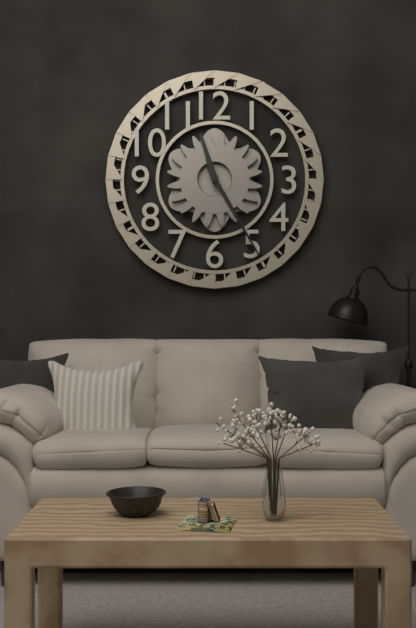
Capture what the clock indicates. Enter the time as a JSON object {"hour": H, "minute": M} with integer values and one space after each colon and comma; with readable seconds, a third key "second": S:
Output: {"hour": 11, "minute": 25}
